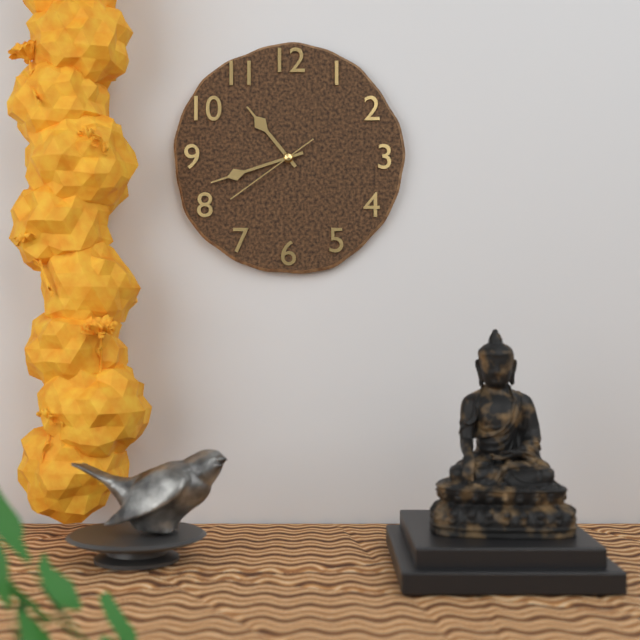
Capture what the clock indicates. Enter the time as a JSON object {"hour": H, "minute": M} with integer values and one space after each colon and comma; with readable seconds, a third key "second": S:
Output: {"hour": 10, "minute": 42, "second": 39}
